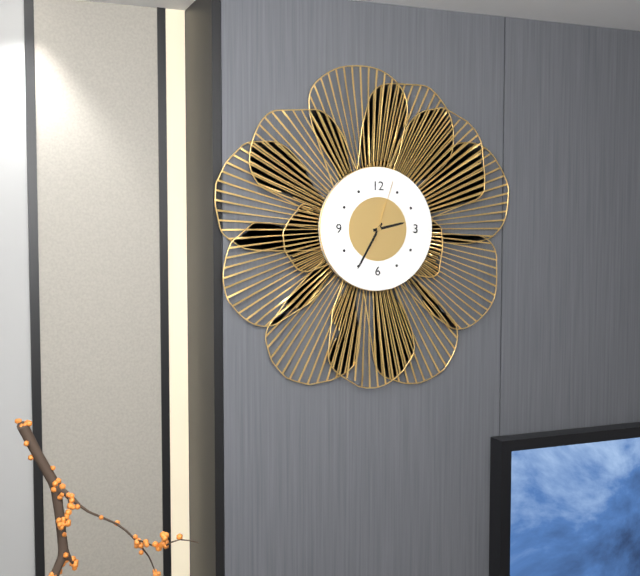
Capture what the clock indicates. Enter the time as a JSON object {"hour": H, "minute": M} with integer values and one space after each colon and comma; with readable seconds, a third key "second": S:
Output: {"hour": 2, "minute": 35, "second": 3}
